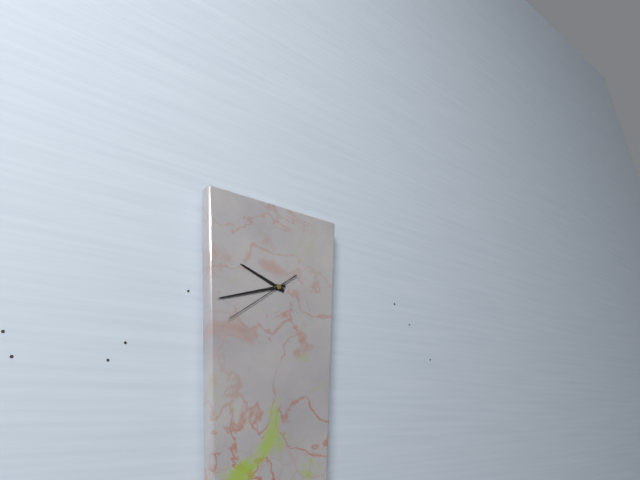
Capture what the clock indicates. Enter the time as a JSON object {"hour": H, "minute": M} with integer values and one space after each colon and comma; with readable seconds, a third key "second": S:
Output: {"hour": 9, "minute": 42, "second": 39}
